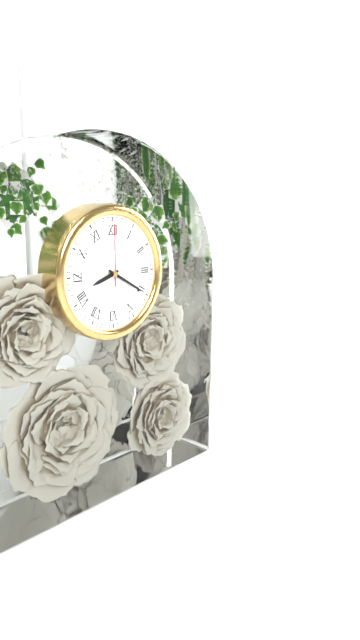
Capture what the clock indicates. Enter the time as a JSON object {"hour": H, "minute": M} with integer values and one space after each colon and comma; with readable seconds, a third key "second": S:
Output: {"hour": 8, "minute": 20, "second": 0}
